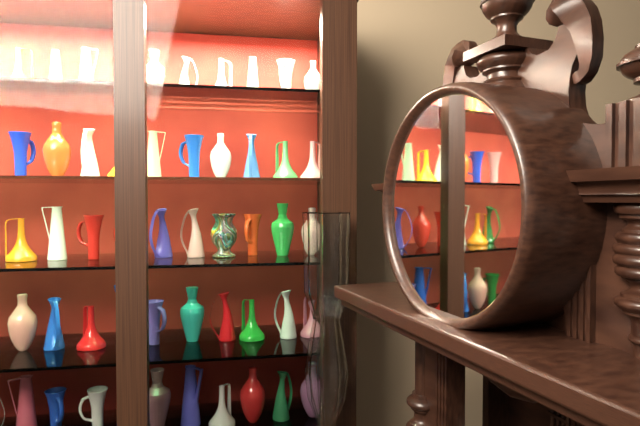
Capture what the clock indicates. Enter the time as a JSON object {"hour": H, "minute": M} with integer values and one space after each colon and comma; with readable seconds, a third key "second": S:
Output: {"hour": 4, "minute": 42}
